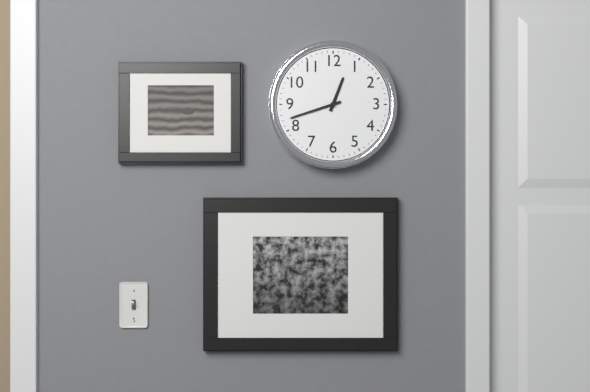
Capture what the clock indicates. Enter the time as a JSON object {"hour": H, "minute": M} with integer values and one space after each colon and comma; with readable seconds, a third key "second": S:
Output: {"hour": 12, "minute": 42}
